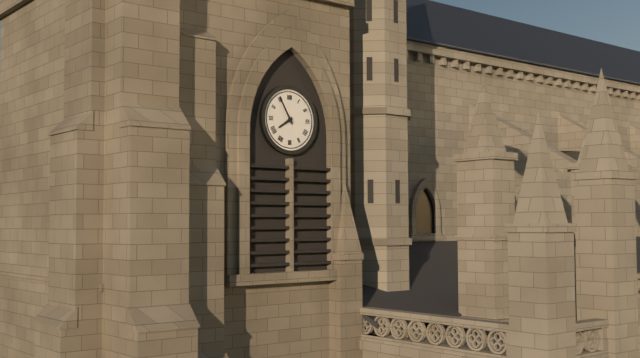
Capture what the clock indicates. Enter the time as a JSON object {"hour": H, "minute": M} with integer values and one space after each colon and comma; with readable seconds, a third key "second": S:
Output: {"hour": 7, "minute": 55}
